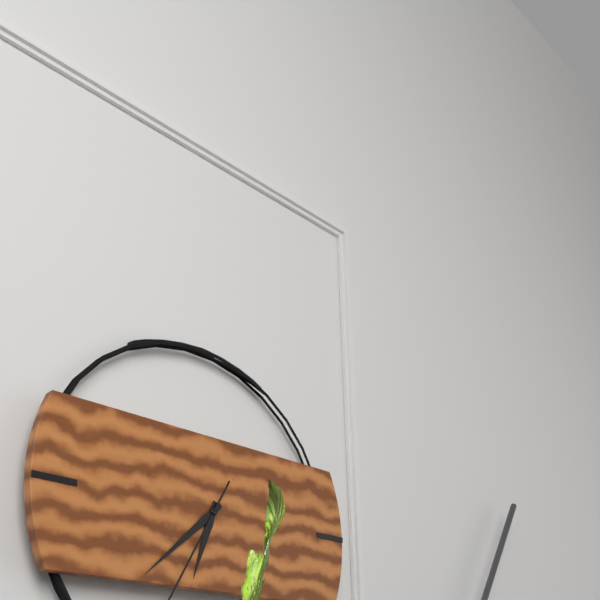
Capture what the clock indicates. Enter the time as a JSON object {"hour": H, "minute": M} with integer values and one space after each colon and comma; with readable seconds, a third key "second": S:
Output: {"hour": 6, "minute": 38}
